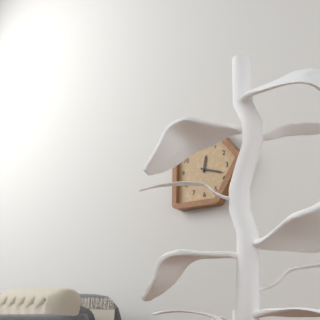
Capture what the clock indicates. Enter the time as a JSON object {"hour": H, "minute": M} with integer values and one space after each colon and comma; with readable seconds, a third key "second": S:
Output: {"hour": 12, "minute": 18}
